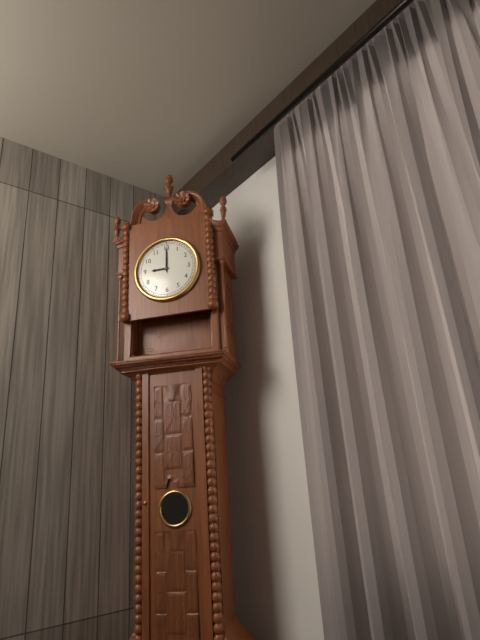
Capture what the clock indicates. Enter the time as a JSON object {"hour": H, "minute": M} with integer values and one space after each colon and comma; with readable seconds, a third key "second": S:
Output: {"hour": 9, "minute": 0}
